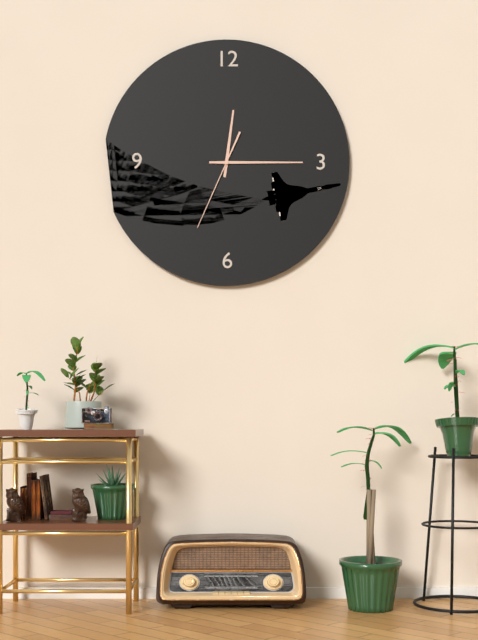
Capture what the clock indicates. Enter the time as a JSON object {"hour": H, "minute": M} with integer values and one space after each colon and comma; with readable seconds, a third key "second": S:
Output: {"hour": 12, "minute": 15, "second": 34}
